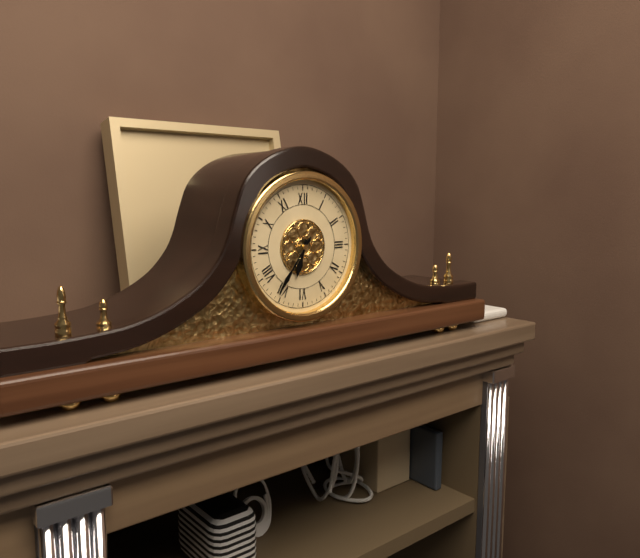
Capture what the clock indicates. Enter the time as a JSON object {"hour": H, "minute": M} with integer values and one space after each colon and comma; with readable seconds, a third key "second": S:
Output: {"hour": 6, "minute": 36}
